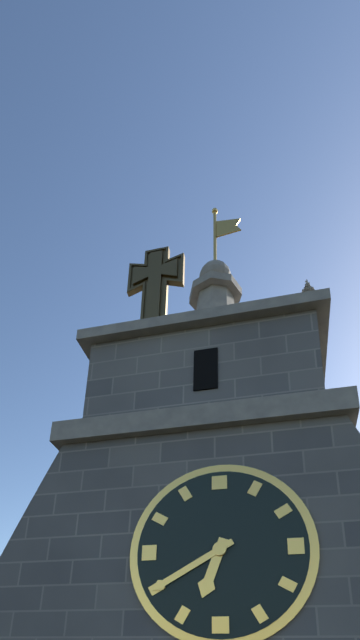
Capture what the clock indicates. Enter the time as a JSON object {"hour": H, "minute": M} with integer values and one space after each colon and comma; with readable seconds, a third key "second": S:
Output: {"hour": 6, "minute": 40}
